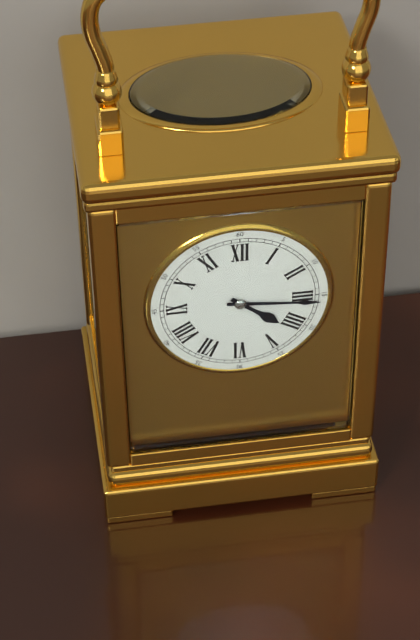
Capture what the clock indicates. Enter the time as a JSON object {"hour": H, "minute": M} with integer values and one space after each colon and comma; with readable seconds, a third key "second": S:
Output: {"hour": 4, "minute": 16}
